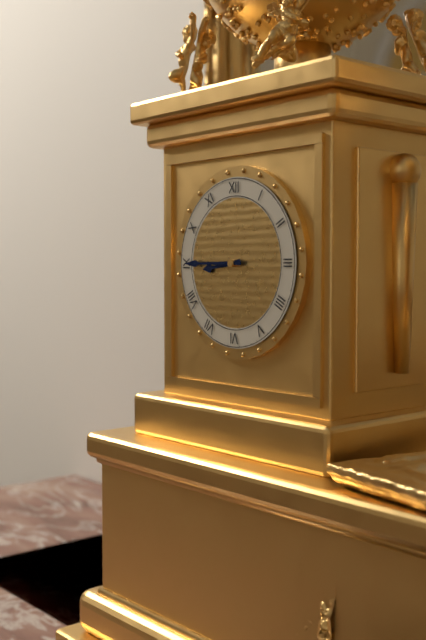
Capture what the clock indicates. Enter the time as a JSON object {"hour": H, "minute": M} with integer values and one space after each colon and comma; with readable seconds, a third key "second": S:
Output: {"hour": 8, "minute": 45}
